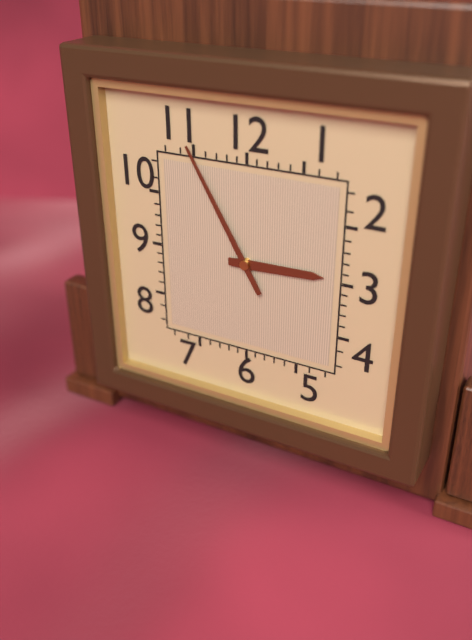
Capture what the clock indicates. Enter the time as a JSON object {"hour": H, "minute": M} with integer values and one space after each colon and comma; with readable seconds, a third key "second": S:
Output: {"hour": 2, "minute": 55}
